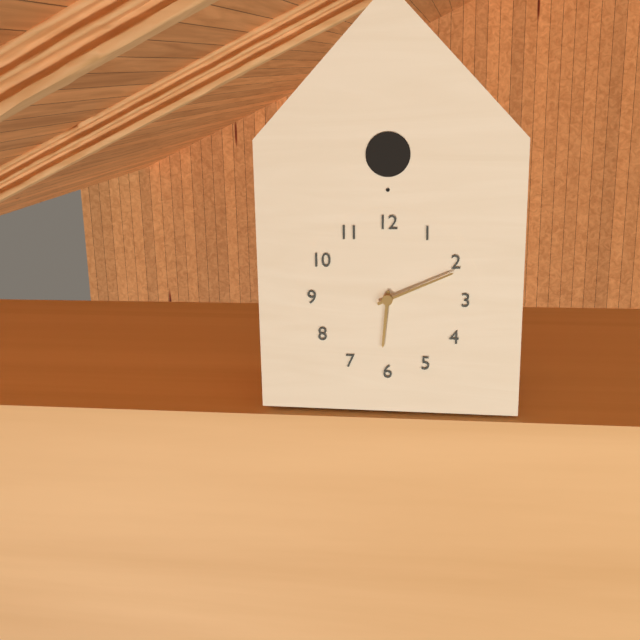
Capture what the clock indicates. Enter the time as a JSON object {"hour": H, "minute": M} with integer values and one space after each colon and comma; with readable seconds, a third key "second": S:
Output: {"hour": 6, "minute": 11}
